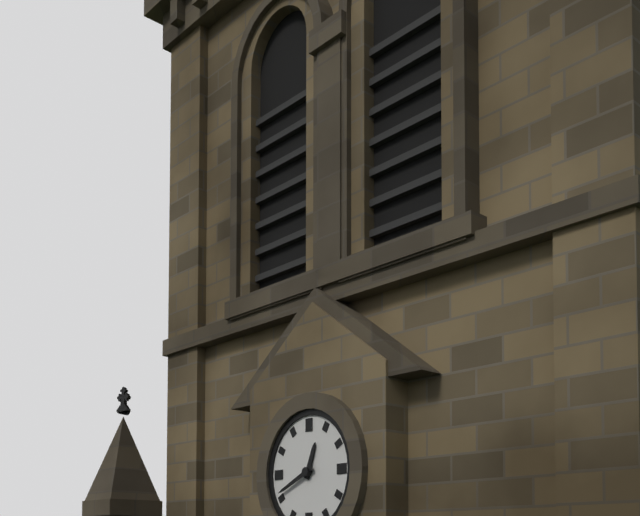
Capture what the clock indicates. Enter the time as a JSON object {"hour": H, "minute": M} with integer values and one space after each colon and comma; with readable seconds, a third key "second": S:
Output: {"hour": 12, "minute": 41}
